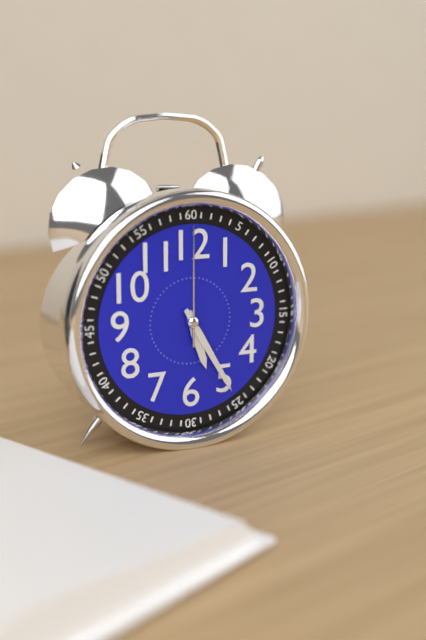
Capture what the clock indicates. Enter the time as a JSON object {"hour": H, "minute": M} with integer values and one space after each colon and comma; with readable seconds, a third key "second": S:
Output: {"hour": 5, "minute": 25, "second": 0}
